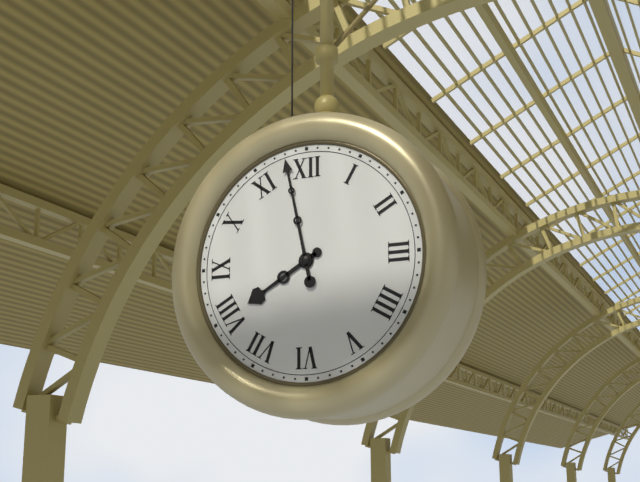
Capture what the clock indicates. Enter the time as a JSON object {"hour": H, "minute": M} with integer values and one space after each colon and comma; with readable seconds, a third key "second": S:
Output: {"hour": 7, "minute": 58}
